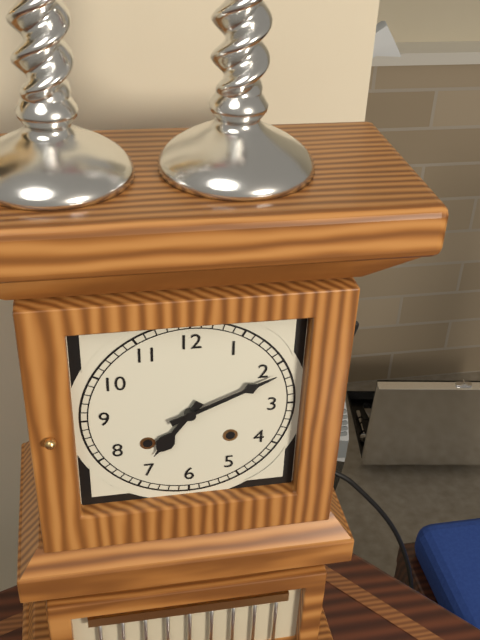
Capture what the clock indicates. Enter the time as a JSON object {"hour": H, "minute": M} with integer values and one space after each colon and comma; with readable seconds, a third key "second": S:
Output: {"hour": 7, "minute": 11}
